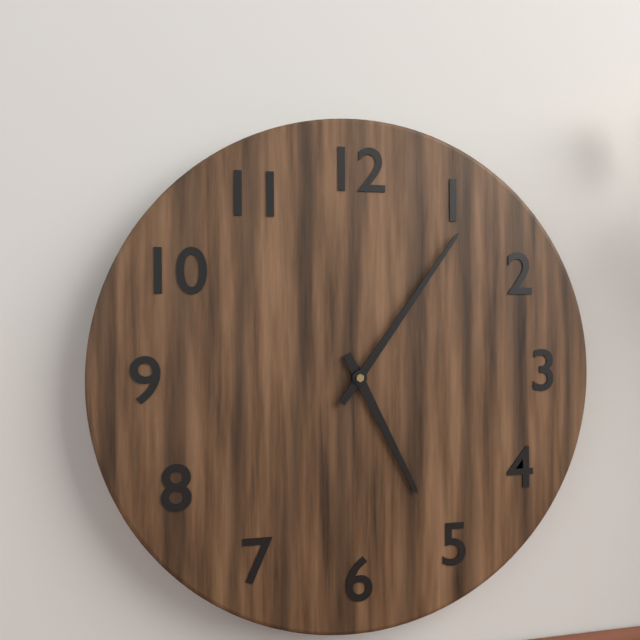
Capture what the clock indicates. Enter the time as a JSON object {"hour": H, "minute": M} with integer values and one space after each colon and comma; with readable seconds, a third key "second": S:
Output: {"hour": 5, "minute": 6}
